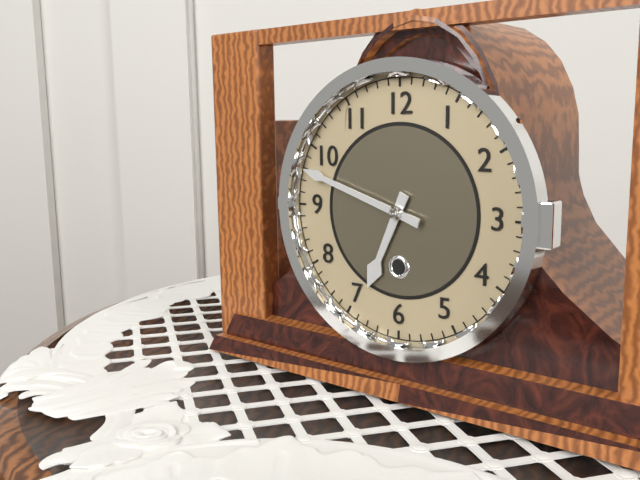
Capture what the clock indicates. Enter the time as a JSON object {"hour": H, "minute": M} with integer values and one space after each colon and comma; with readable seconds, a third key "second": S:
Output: {"hour": 6, "minute": 48}
